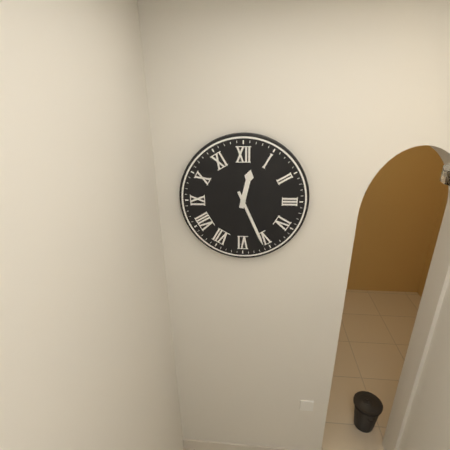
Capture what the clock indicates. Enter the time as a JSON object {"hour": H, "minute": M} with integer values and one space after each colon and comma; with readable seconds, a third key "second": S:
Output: {"hour": 12, "minute": 26}
